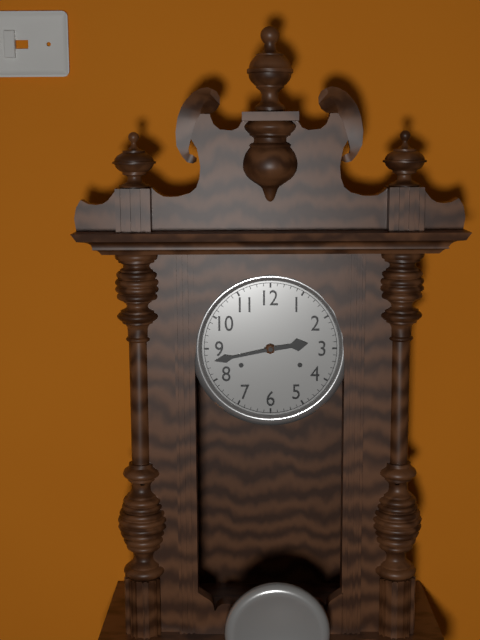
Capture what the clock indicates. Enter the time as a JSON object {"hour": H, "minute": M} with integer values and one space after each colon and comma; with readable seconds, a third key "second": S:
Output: {"hour": 2, "minute": 43}
